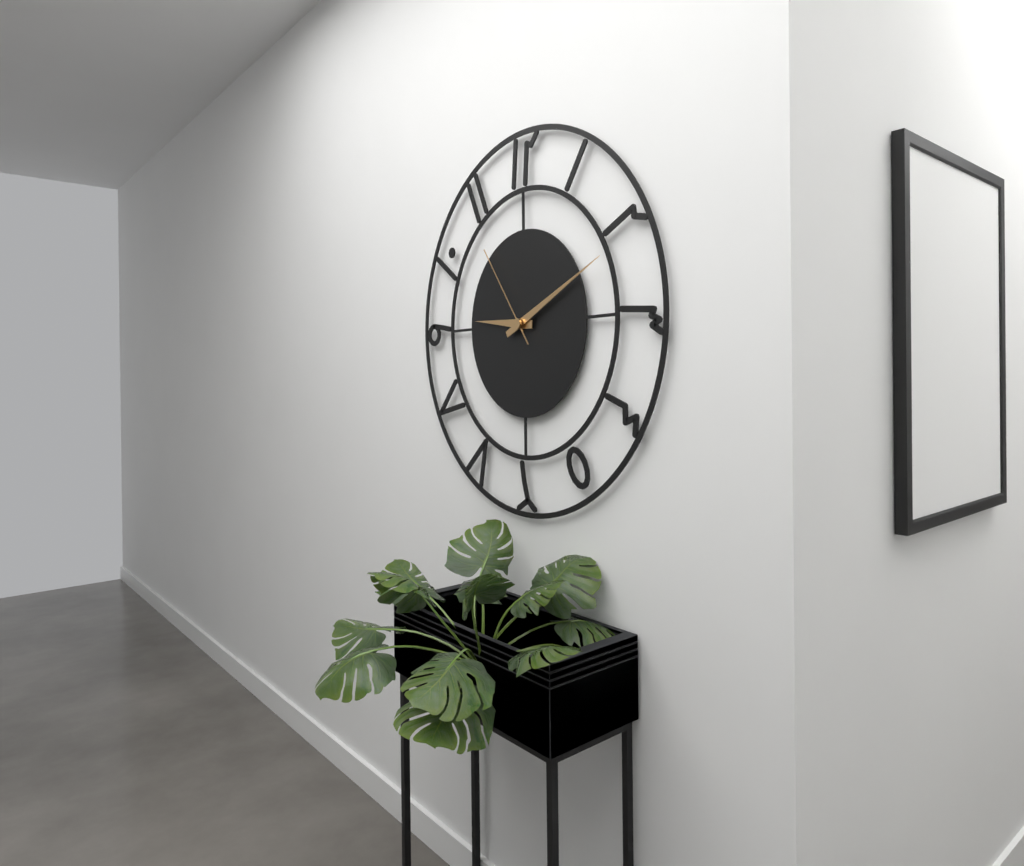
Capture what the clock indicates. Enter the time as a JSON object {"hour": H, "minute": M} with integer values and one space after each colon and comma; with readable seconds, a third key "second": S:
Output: {"hour": 9, "minute": 11, "second": 54}
